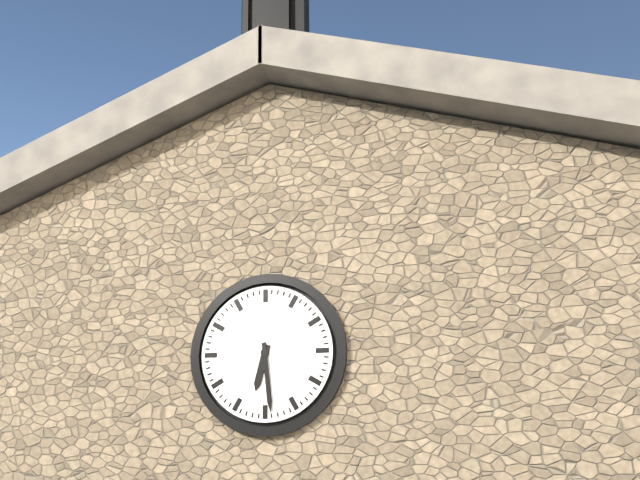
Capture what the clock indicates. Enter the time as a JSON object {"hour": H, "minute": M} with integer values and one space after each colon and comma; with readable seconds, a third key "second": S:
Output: {"hour": 6, "minute": 29}
